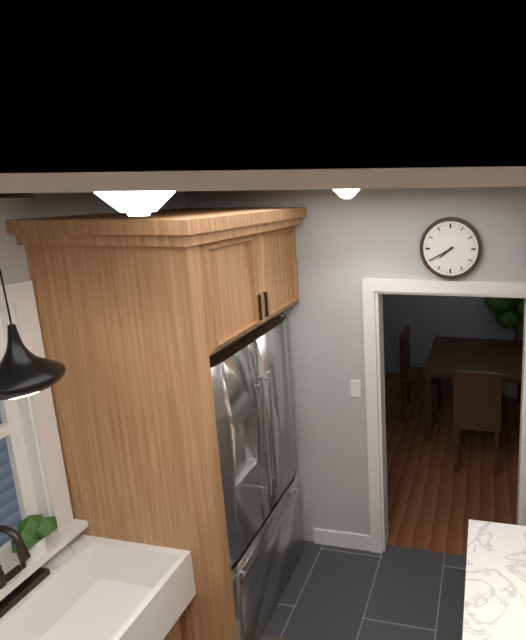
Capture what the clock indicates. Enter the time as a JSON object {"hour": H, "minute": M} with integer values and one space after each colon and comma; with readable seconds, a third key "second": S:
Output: {"hour": 7, "minute": 40}
